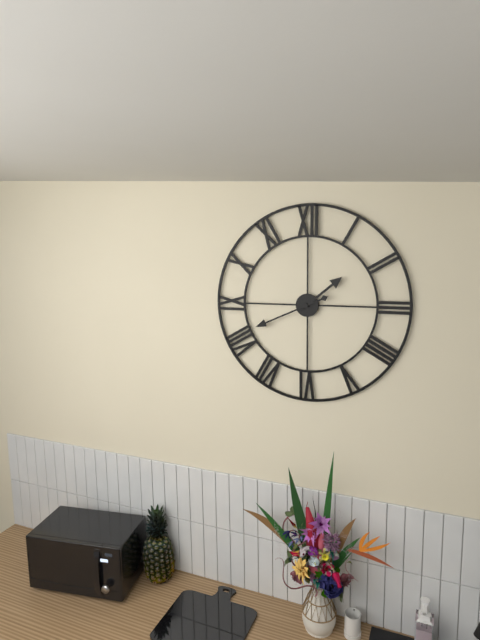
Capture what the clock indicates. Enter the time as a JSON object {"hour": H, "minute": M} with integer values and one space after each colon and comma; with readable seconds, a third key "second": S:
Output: {"hour": 1, "minute": 41}
